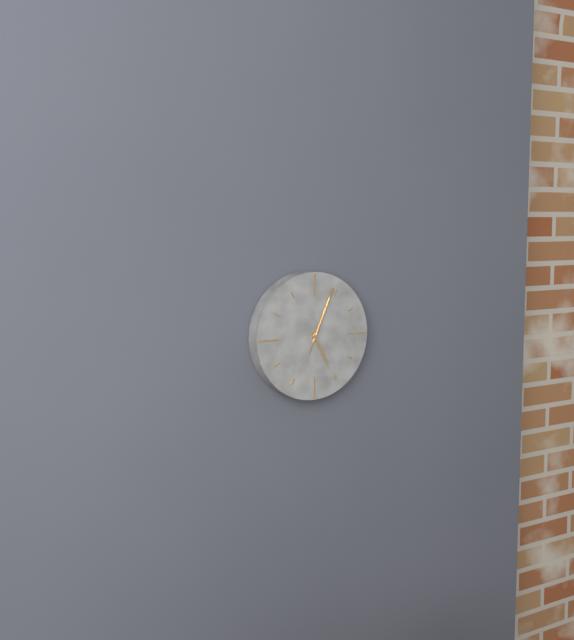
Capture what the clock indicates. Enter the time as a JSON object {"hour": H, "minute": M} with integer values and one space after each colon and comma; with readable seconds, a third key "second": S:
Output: {"hour": 5, "minute": 4, "second": 4}
